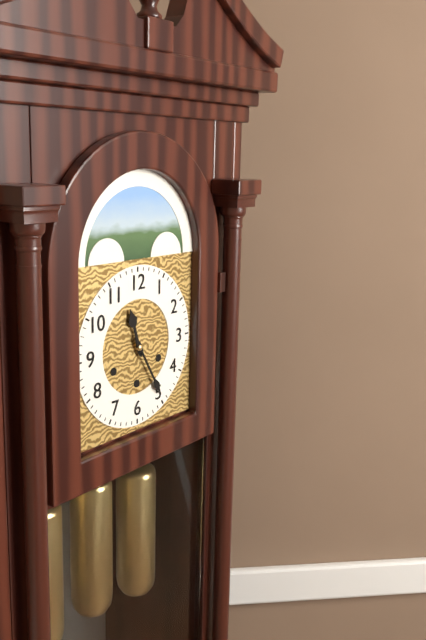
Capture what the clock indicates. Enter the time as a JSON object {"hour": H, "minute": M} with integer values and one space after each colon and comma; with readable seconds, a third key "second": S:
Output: {"hour": 11, "minute": 25}
